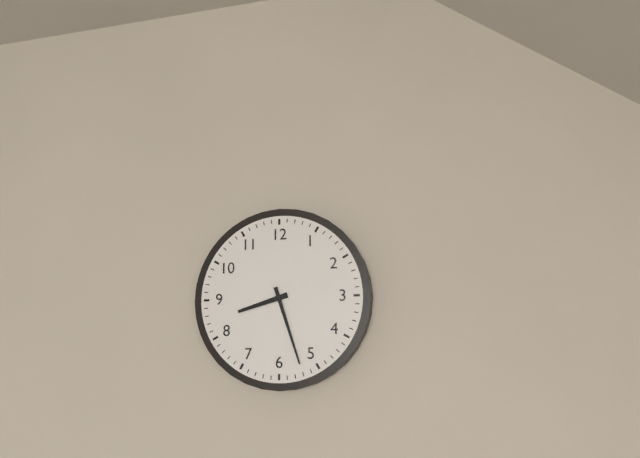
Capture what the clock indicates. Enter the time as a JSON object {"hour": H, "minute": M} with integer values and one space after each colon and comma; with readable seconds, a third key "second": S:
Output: {"hour": 8, "minute": 27}
